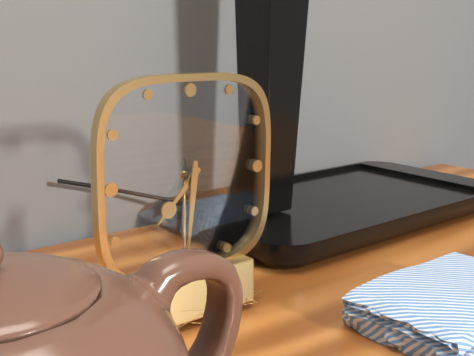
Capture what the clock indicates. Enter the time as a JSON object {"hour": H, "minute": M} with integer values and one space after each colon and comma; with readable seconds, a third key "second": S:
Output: {"hour": 7, "minute": 31}
